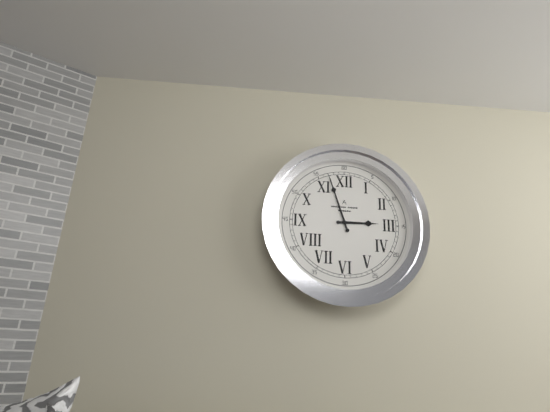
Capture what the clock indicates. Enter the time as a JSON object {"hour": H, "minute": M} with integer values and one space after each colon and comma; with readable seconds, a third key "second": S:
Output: {"hour": 2, "minute": 57}
